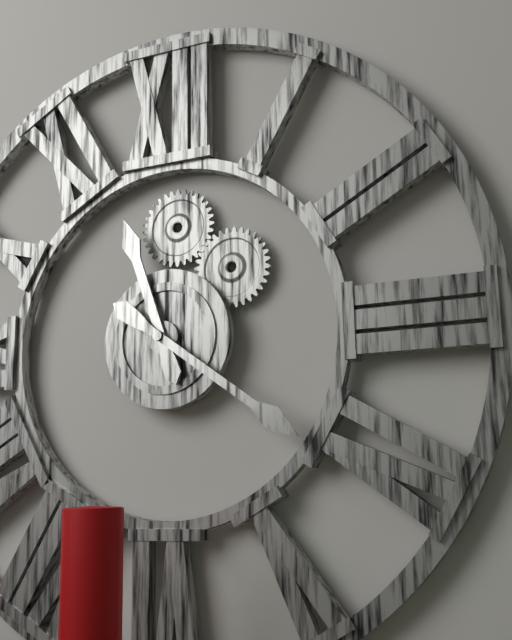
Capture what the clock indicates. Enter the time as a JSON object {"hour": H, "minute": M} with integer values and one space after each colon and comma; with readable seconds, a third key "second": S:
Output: {"hour": 11, "minute": 21}
